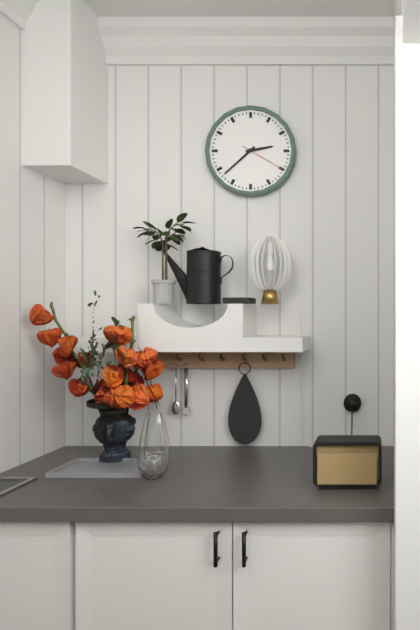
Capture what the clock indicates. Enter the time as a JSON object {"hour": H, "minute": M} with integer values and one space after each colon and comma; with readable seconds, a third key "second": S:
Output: {"hour": 2, "minute": 38}
